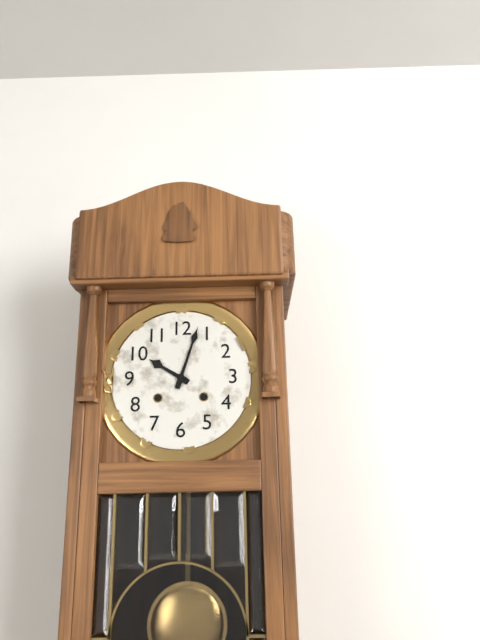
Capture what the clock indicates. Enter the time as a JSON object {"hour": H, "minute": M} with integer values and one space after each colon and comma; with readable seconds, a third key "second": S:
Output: {"hour": 10, "minute": 3}
